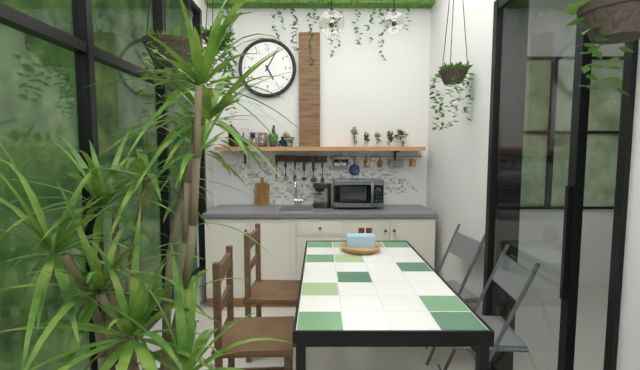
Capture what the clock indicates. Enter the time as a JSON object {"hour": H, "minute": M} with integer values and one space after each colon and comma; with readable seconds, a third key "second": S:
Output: {"hour": 5, "minute": 5}
